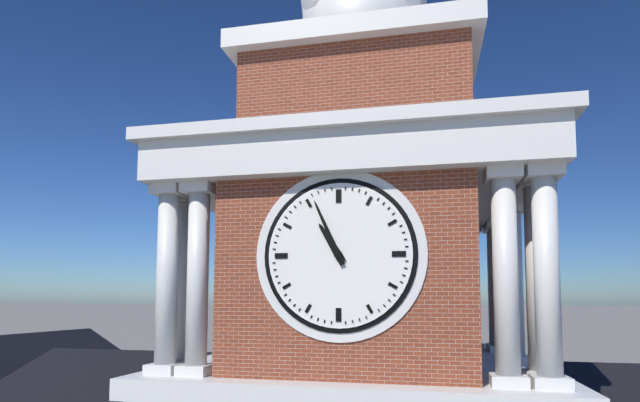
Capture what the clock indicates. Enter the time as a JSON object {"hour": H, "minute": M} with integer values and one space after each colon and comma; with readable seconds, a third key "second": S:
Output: {"hour": 10, "minute": 56}
